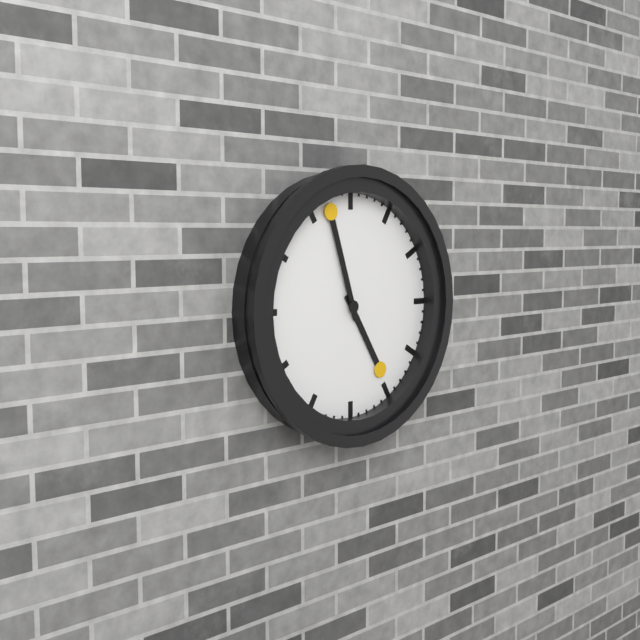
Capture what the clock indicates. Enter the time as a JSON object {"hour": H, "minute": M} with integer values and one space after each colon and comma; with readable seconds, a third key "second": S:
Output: {"hour": 4, "minute": 57}
